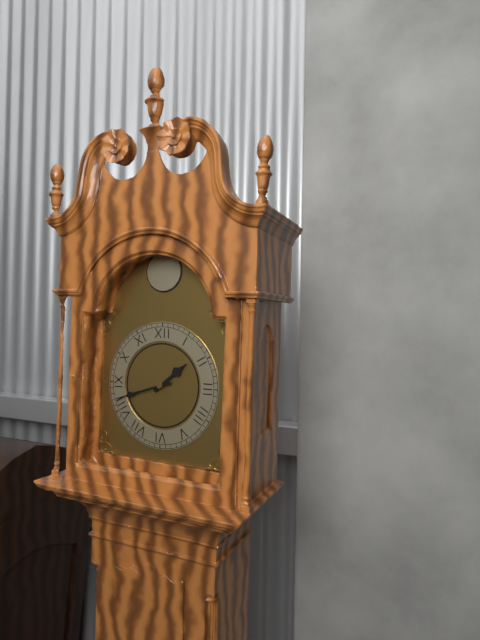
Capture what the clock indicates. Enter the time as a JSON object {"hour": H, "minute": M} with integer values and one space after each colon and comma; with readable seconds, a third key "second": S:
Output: {"hour": 1, "minute": 42}
